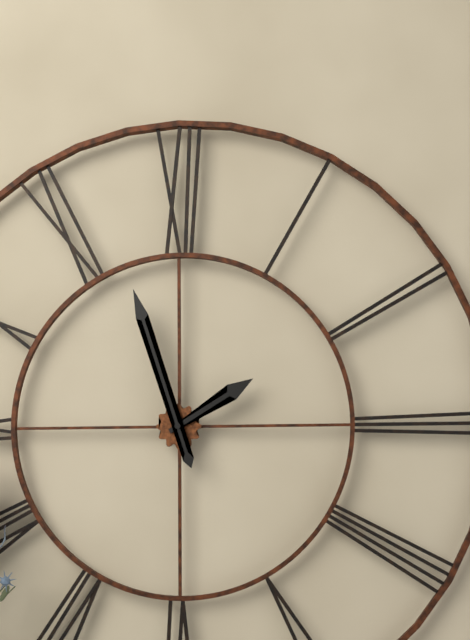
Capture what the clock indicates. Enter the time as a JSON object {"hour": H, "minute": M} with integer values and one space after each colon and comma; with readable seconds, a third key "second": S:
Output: {"hour": 1, "minute": 57}
